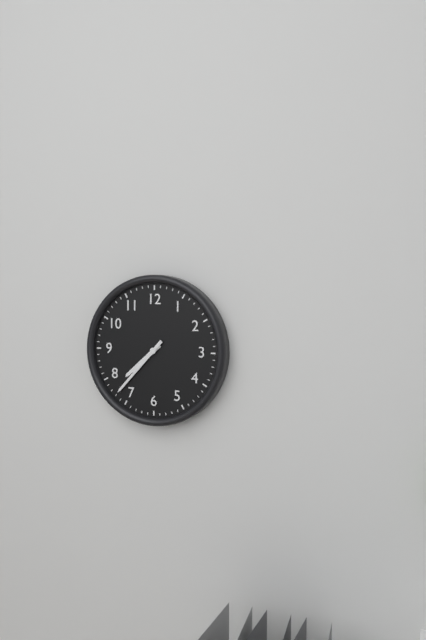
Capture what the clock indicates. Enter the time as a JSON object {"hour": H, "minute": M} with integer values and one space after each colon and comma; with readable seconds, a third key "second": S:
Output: {"hour": 7, "minute": 37}
